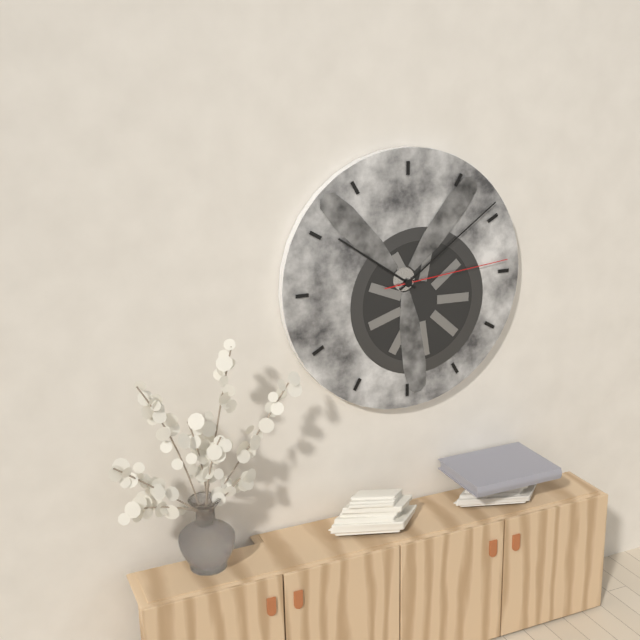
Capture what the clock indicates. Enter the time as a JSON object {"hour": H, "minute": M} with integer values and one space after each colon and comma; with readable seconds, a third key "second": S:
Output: {"hour": 10, "minute": 9, "second": 14}
